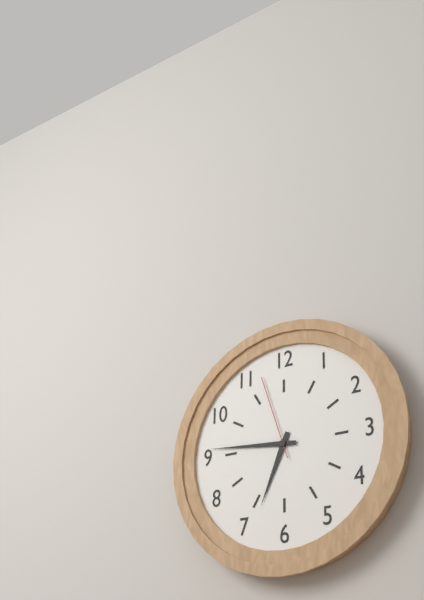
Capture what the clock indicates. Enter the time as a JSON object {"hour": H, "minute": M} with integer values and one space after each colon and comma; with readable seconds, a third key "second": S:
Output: {"hour": 6, "minute": 46, "second": 57}
